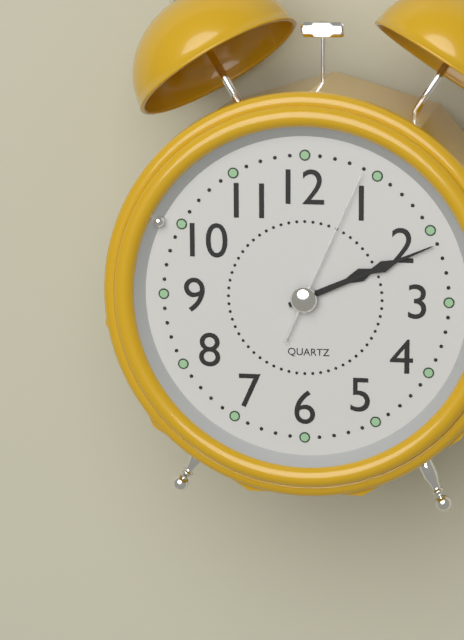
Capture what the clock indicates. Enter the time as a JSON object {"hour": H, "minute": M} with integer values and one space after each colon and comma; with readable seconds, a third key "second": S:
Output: {"hour": 2, "minute": 11, "second": 4}
